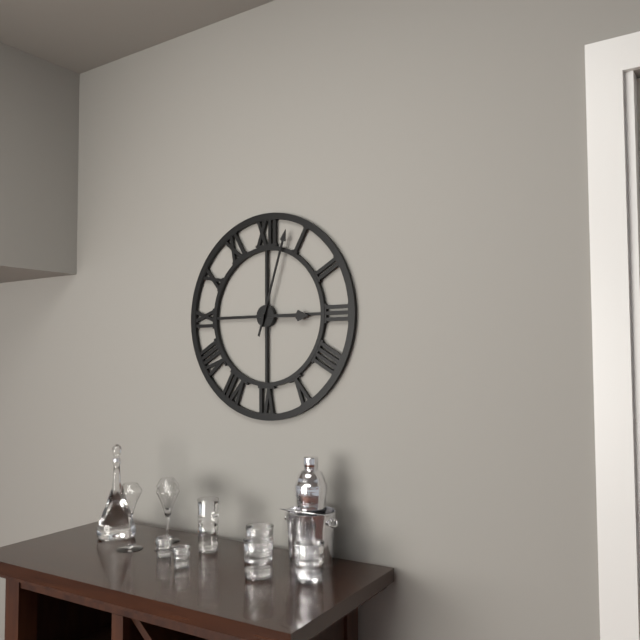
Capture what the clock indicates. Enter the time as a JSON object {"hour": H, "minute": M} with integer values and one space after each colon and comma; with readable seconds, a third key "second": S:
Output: {"hour": 3, "minute": 3}
